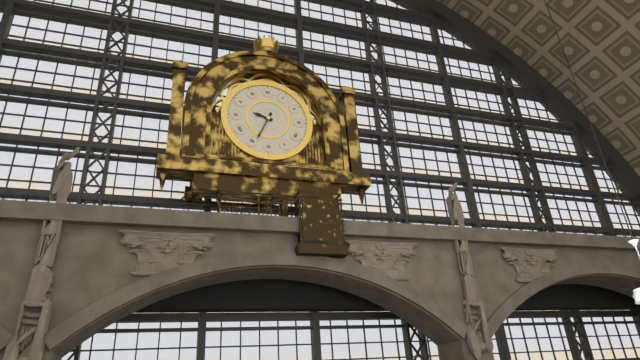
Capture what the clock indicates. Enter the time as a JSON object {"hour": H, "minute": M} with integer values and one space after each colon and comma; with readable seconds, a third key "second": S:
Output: {"hour": 9, "minute": 34}
